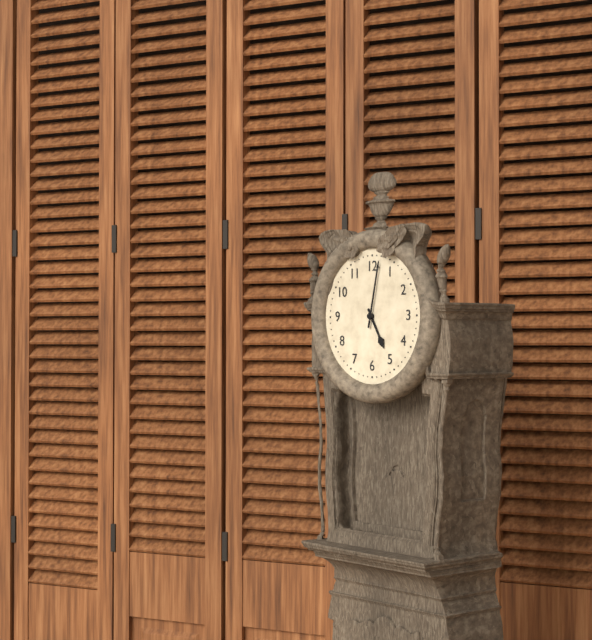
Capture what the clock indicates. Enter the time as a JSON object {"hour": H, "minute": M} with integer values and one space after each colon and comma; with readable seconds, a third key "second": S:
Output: {"hour": 5, "minute": 2}
